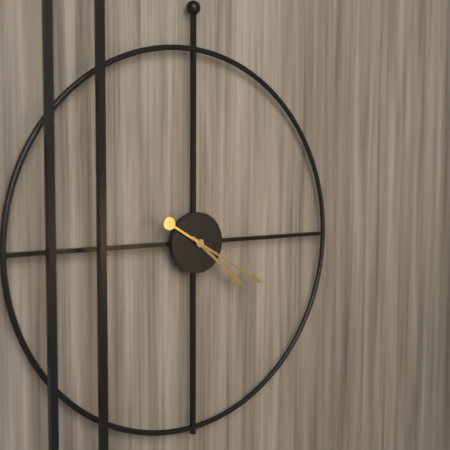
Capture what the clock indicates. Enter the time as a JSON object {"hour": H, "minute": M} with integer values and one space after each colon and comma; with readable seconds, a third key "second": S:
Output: {"hour": 4, "minute": 20}
